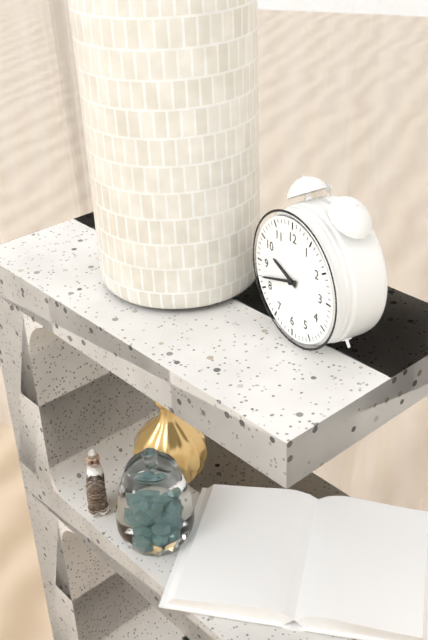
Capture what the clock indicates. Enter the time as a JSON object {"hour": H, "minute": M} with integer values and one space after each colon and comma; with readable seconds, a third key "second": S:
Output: {"hour": 9, "minute": 42}
